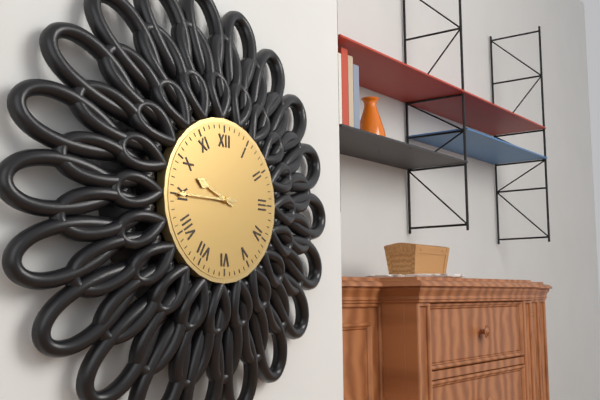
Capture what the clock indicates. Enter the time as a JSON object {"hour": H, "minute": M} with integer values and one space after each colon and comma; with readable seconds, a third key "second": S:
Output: {"hour": 9, "minute": 45}
